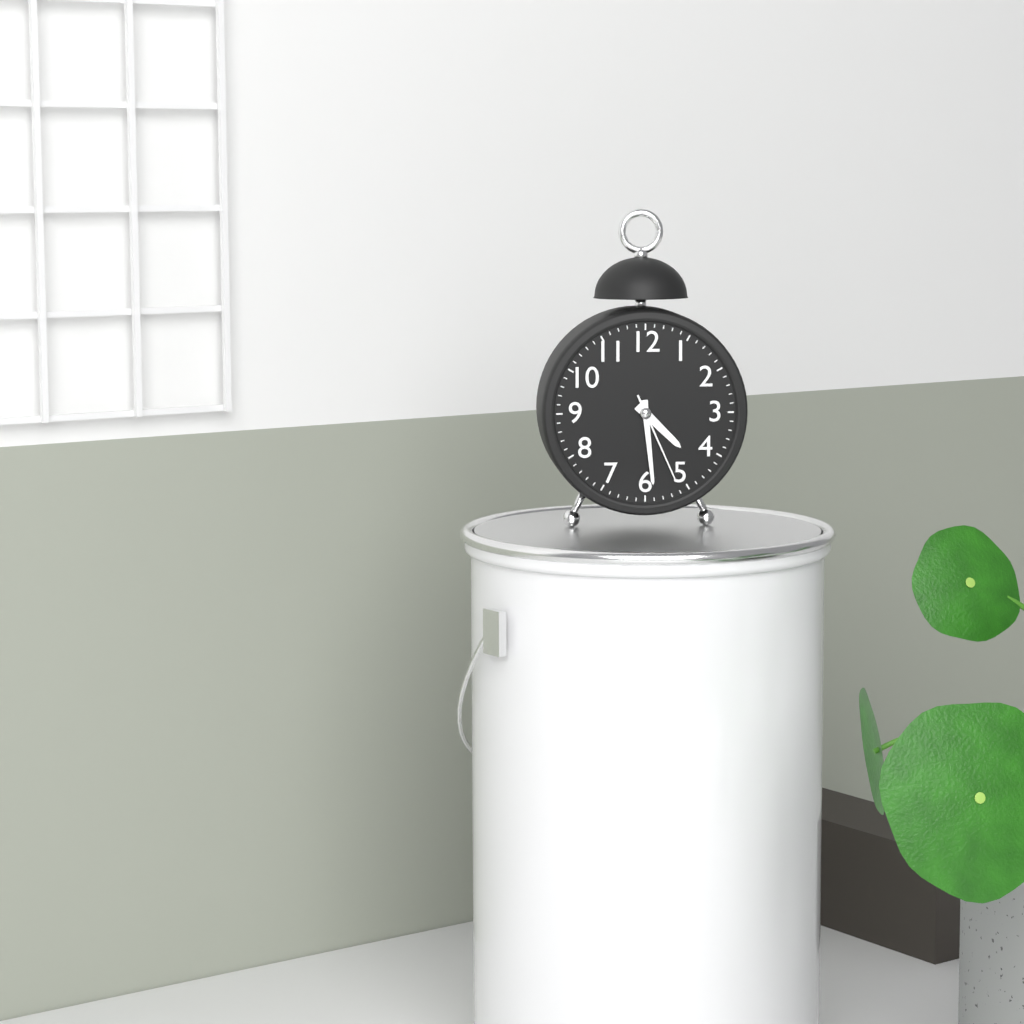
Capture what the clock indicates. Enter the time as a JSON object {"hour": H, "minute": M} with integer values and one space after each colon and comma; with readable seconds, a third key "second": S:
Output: {"hour": 4, "minute": 29, "second": 26}
